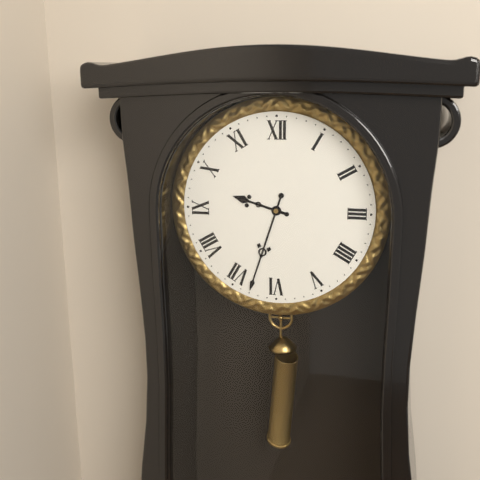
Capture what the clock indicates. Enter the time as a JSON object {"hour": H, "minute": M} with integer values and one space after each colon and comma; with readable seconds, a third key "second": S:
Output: {"hour": 9, "minute": 33}
